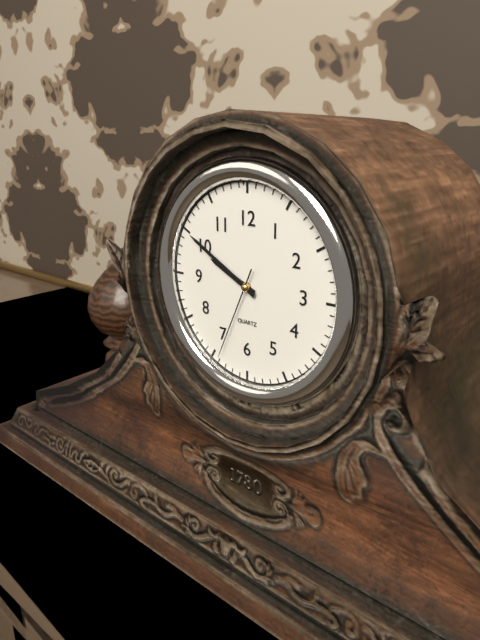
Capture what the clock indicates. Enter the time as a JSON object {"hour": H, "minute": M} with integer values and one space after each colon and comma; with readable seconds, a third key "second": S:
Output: {"hour": 9, "minute": 50, "second": 34}
